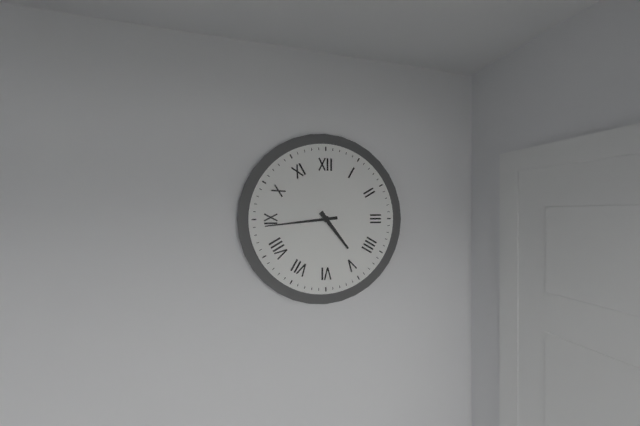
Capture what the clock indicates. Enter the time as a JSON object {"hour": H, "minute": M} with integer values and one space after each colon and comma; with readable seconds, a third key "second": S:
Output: {"hour": 4, "minute": 44}
